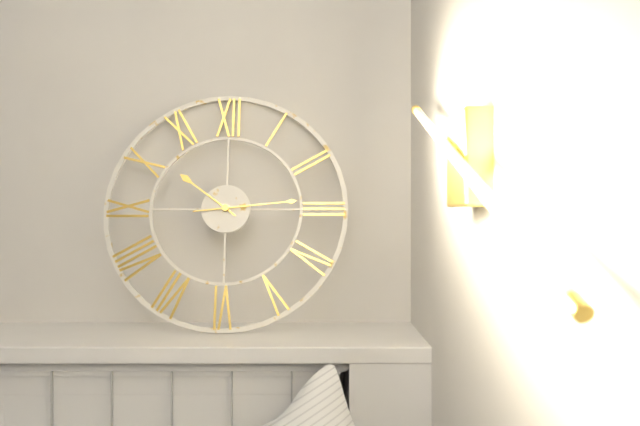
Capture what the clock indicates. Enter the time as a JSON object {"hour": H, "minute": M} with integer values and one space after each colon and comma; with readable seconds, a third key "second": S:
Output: {"hour": 10, "minute": 14}
